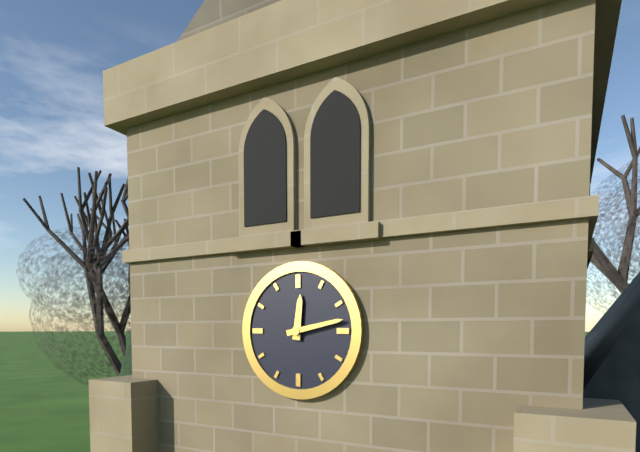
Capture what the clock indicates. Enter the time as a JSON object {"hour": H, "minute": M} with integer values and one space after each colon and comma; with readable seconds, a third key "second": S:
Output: {"hour": 12, "minute": 13}
